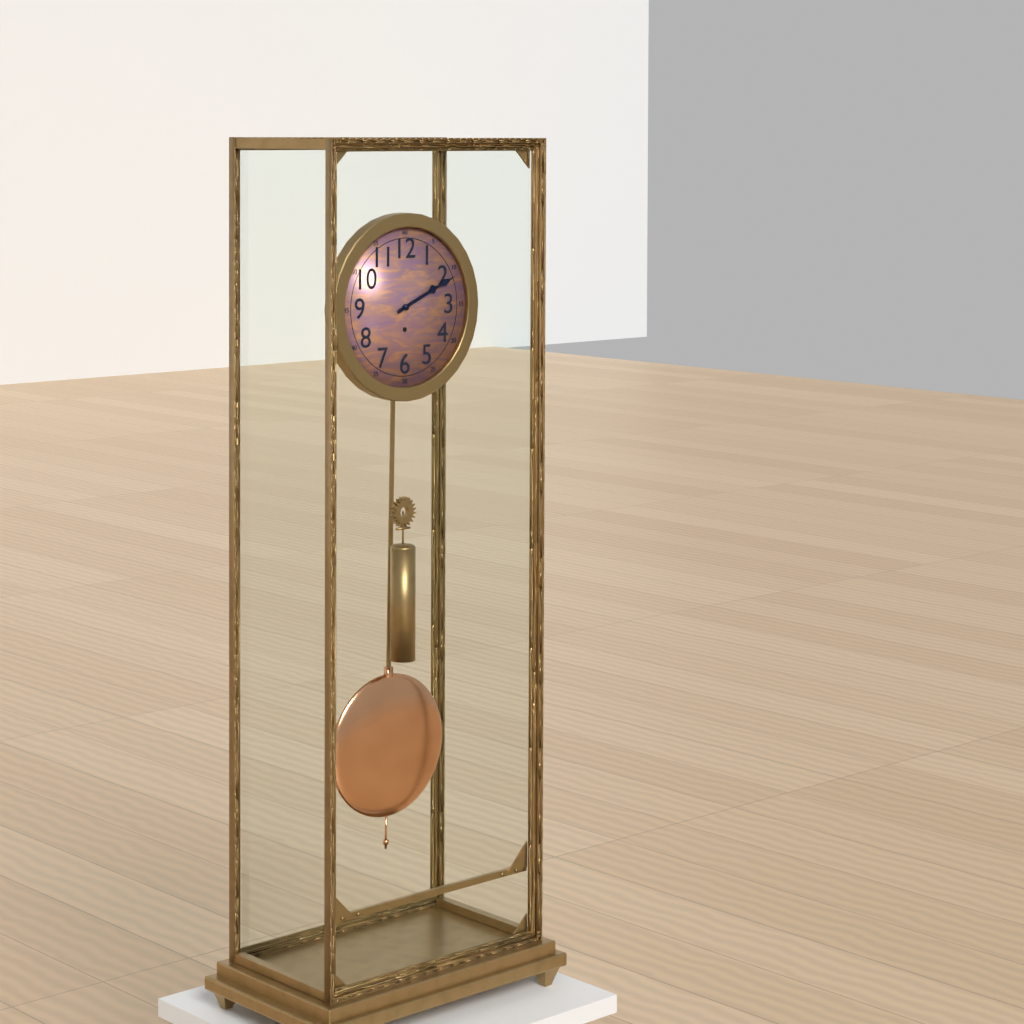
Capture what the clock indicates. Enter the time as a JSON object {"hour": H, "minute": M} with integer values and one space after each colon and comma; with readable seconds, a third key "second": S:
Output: {"hour": 2, "minute": 11}
